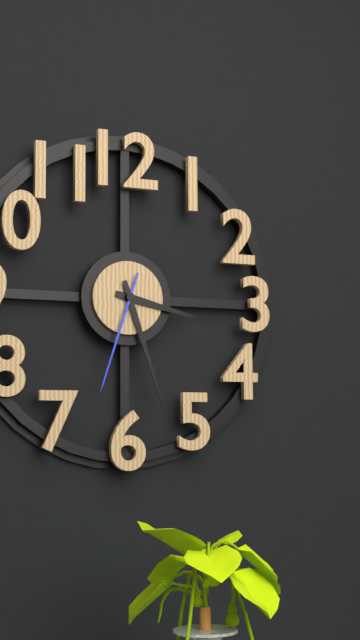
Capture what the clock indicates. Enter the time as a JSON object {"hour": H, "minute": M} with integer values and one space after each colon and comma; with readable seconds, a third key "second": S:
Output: {"hour": 3, "minute": 27, "second": 33}
